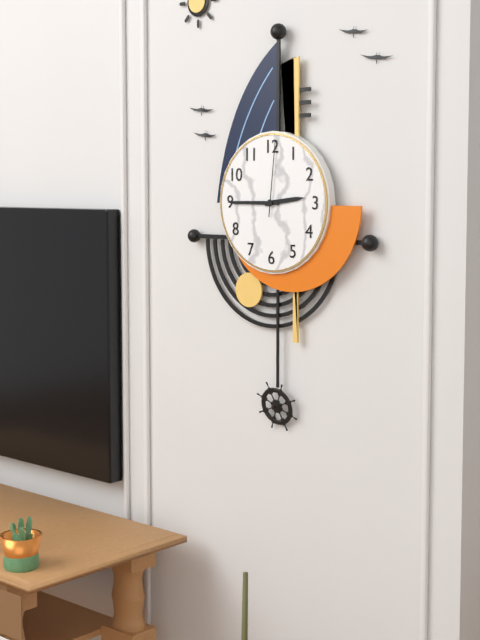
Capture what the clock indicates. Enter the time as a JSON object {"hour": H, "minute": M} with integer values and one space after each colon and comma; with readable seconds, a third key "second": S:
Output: {"hour": 2, "minute": 45, "second": 1}
